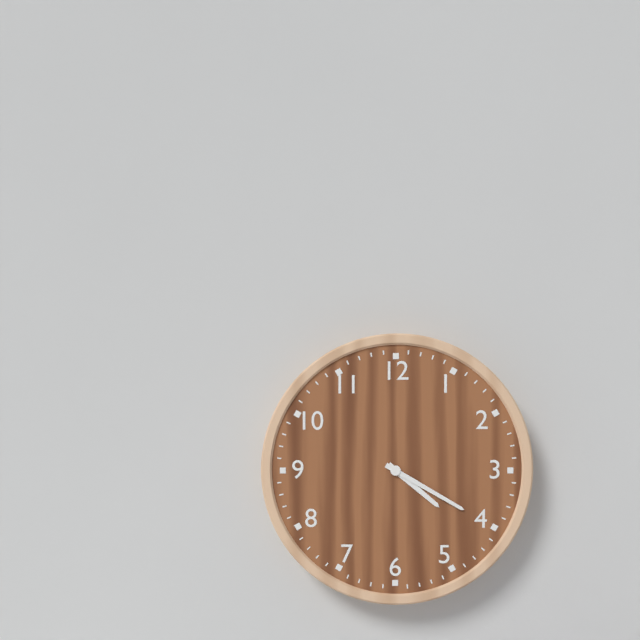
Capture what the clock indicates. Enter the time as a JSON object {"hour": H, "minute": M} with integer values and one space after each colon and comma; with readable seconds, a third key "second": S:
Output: {"hour": 4, "minute": 20}
